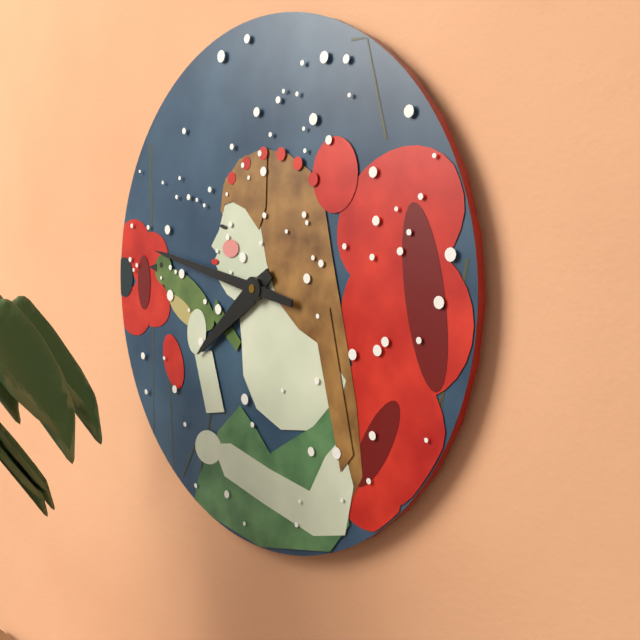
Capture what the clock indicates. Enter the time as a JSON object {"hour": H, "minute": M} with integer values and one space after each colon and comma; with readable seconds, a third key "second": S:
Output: {"hour": 7, "minute": 47}
